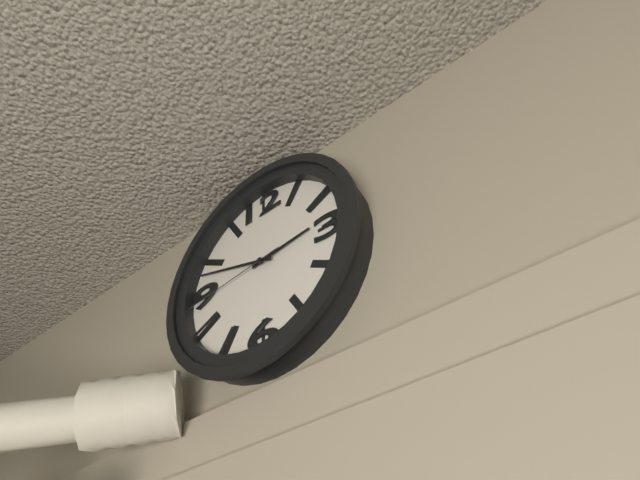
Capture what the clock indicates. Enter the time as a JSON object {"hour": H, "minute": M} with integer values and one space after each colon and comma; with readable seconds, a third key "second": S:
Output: {"hour": 2, "minute": 48, "second": 44}
